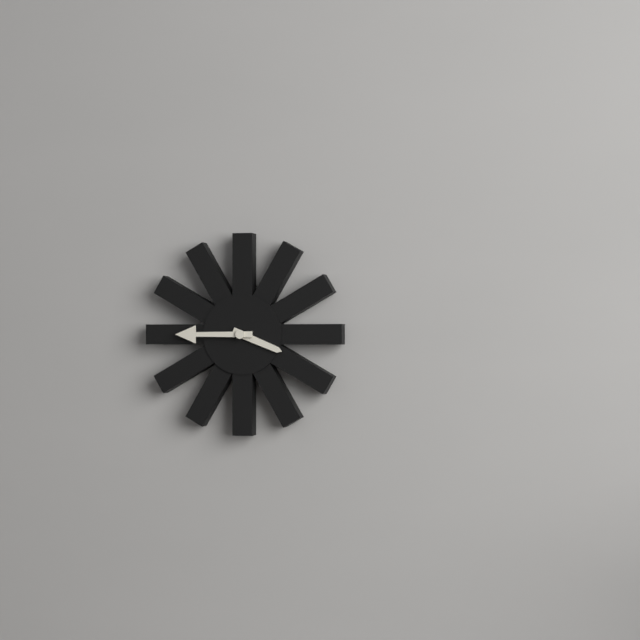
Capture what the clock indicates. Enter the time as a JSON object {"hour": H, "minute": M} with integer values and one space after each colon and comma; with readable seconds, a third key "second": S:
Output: {"hour": 3, "minute": 45}
